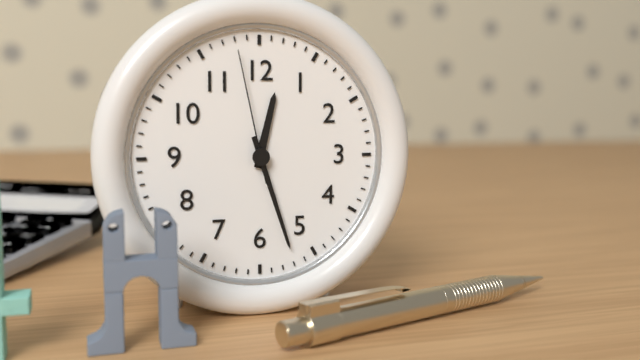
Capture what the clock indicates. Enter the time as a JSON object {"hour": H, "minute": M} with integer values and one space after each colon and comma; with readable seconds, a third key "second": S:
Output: {"hour": 12, "minute": 27, "second": 58}
